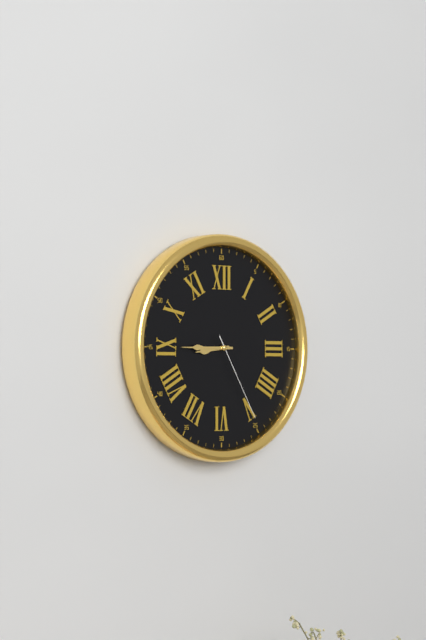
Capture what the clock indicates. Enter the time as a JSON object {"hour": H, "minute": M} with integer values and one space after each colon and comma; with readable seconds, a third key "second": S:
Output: {"hour": 8, "minute": 45, "second": 25}
